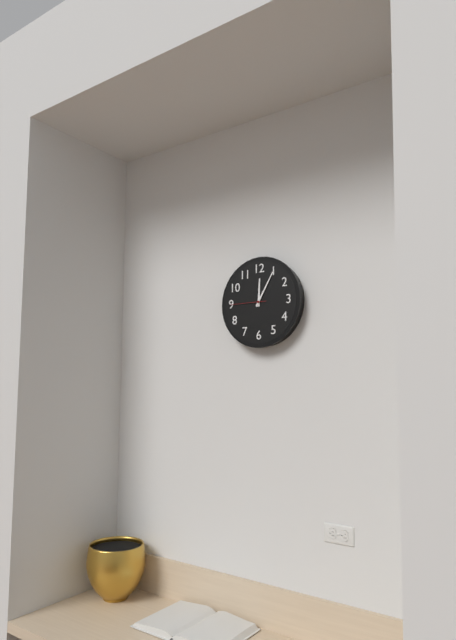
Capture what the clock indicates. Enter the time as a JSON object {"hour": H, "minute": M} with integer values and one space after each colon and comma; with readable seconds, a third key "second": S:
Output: {"hour": 12, "minute": 5}
